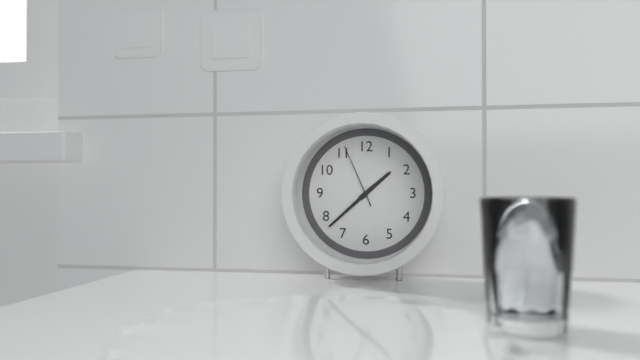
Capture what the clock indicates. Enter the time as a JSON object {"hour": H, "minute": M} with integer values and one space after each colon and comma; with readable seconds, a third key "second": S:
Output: {"hour": 1, "minute": 38, "second": 56}
